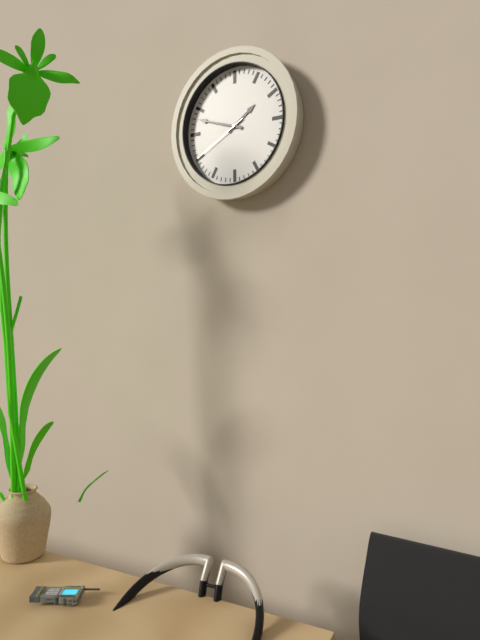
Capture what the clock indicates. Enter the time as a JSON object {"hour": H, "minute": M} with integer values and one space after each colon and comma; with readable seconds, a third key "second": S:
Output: {"hour": 1, "minute": 48, "second": 40}
